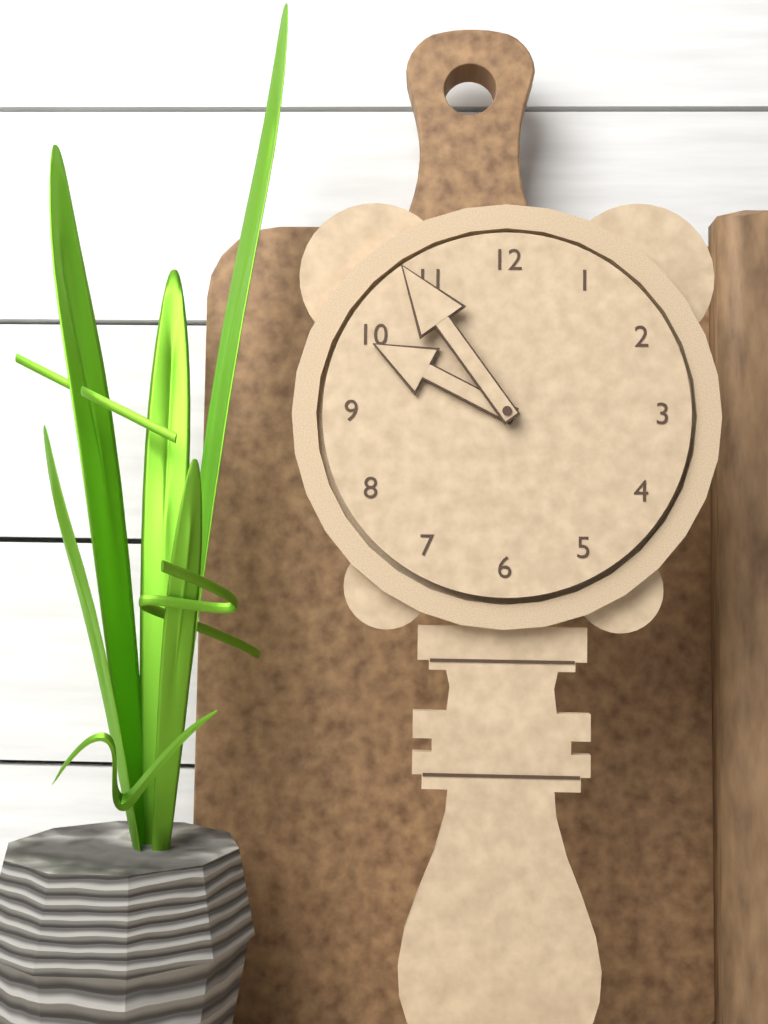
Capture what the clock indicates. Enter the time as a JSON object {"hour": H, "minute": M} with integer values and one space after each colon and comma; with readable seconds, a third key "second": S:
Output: {"hour": 9, "minute": 54}
